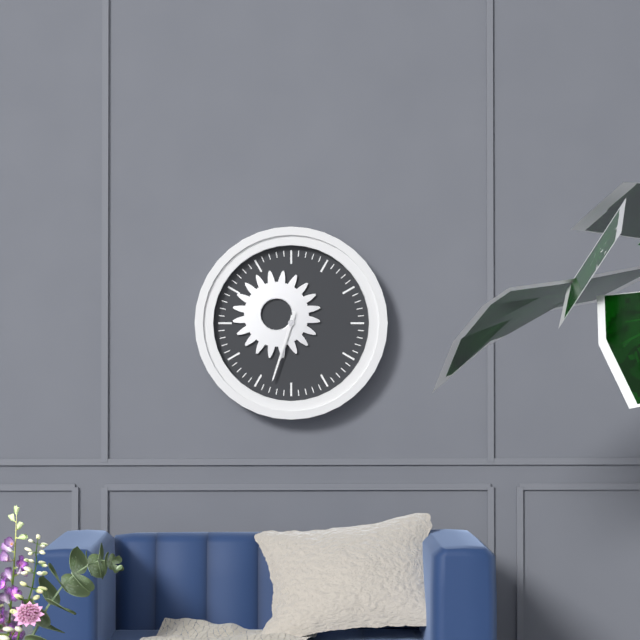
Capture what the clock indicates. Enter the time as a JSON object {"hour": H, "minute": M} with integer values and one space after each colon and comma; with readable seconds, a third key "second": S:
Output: {"hour": 6, "minute": 33}
